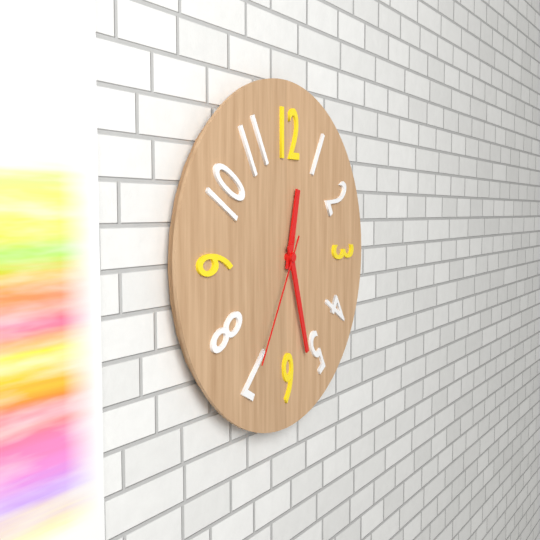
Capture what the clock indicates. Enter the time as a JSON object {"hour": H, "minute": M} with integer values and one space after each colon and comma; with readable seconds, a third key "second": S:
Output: {"hour": 12, "minute": 27, "second": 35}
